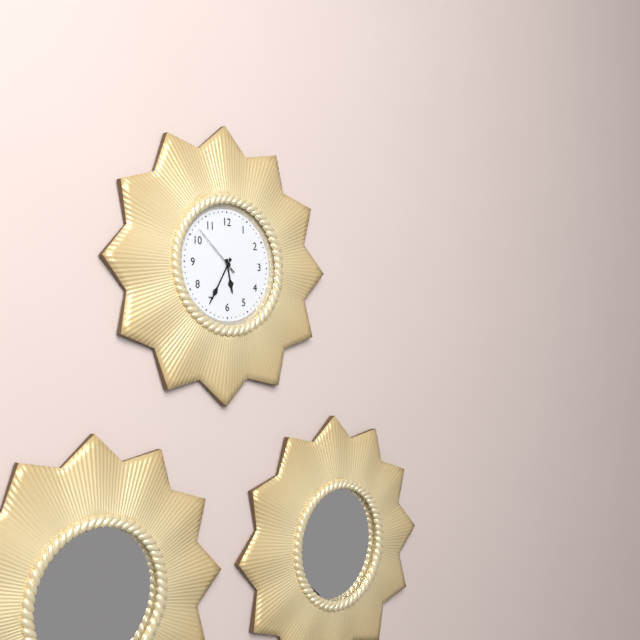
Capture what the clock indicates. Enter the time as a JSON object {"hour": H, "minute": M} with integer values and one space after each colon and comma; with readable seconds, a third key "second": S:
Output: {"hour": 5, "minute": 35, "second": 52}
